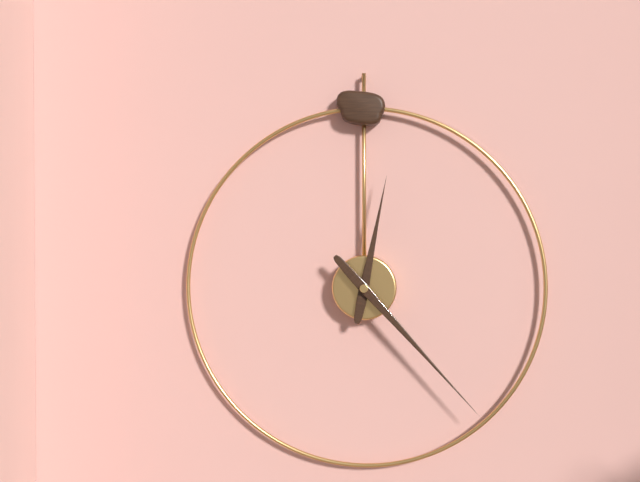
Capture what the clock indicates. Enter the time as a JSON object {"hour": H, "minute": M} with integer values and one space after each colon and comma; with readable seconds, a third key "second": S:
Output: {"hour": 12, "minute": 23}
